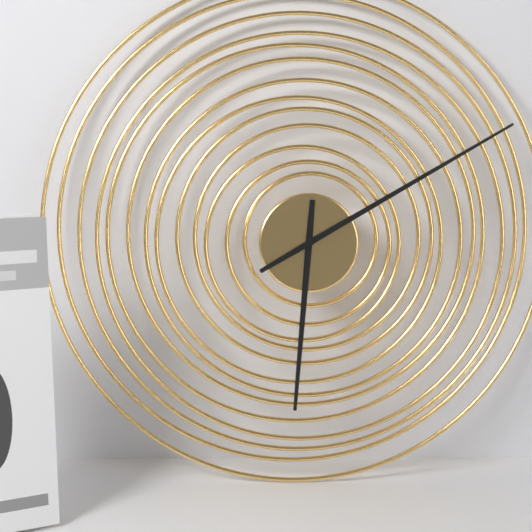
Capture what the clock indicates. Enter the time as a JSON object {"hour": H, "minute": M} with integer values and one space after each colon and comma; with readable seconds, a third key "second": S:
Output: {"hour": 6, "minute": 10}
